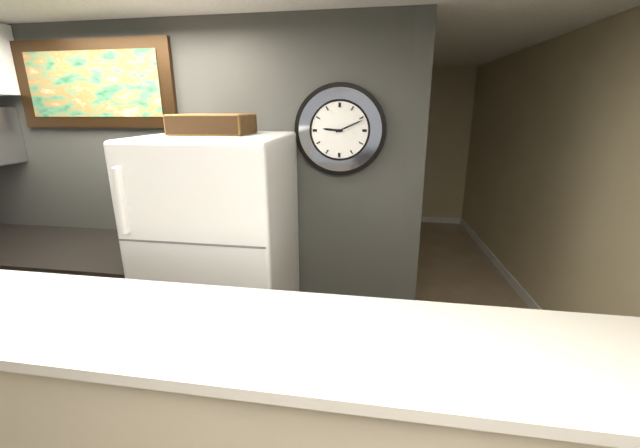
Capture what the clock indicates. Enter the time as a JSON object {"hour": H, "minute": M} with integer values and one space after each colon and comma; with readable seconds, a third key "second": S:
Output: {"hour": 9, "minute": 11}
